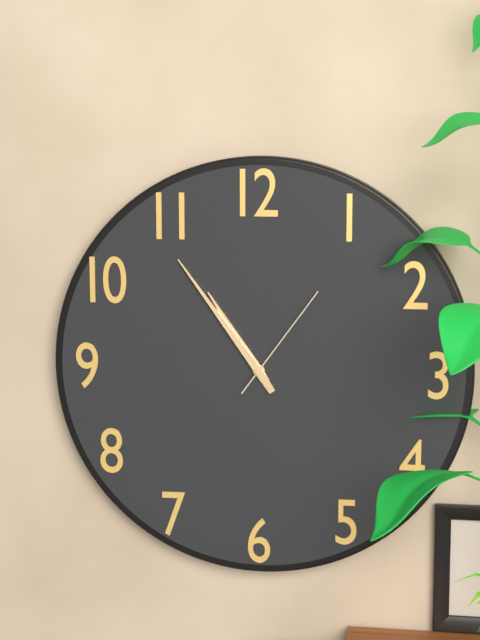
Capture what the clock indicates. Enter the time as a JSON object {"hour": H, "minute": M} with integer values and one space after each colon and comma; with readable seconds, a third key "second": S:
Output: {"hour": 10, "minute": 54, "second": 6}
